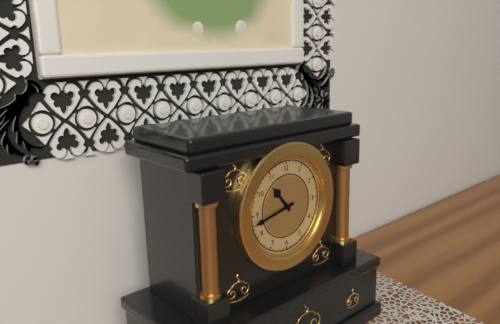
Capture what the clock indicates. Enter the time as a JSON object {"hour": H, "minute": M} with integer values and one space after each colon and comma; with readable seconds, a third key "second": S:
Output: {"hour": 10, "minute": 43}
